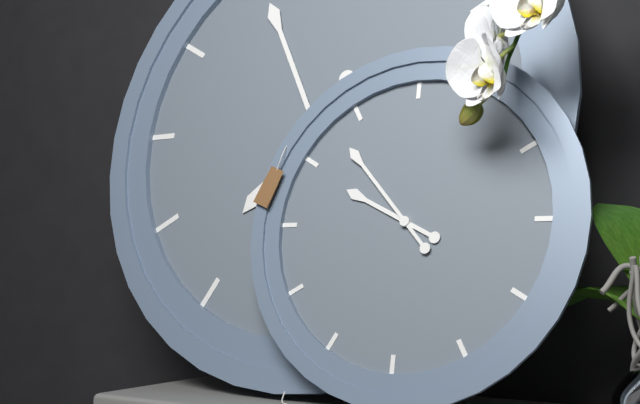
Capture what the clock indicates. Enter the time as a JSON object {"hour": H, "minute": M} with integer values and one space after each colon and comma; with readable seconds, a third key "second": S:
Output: {"hour": 9, "minute": 53}
